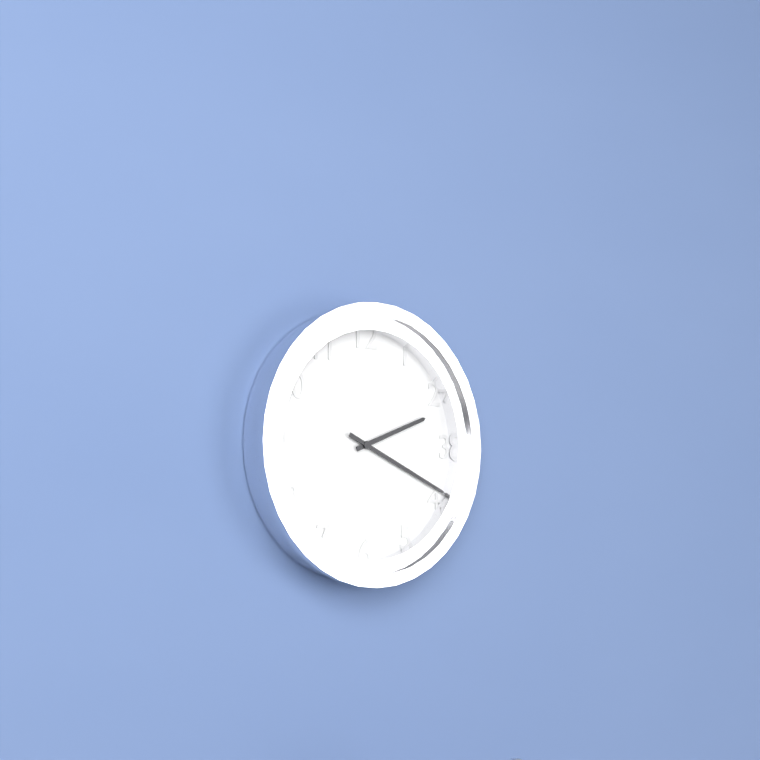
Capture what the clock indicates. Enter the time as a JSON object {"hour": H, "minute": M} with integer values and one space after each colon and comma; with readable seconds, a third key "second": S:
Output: {"hour": 2, "minute": 19}
